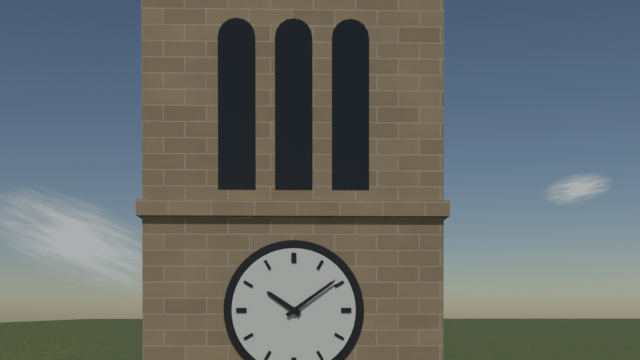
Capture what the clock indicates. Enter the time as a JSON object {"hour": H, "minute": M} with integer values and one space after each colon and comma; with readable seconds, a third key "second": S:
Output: {"hour": 10, "minute": 9}
